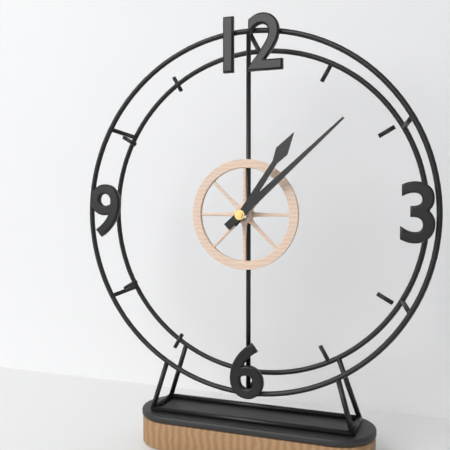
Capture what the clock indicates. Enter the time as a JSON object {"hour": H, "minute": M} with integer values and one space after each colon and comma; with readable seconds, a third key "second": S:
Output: {"hour": 1, "minute": 8}
